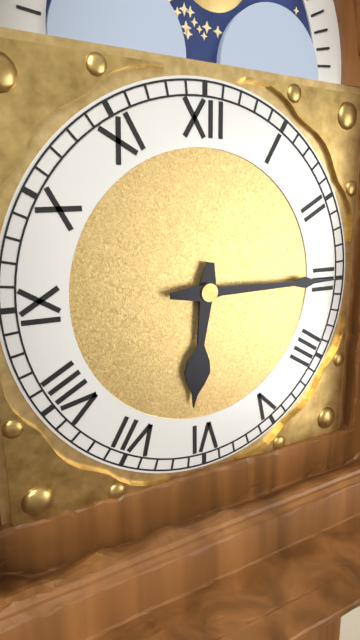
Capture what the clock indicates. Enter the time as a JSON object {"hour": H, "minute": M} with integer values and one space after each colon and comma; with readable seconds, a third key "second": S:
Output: {"hour": 6, "minute": 15}
